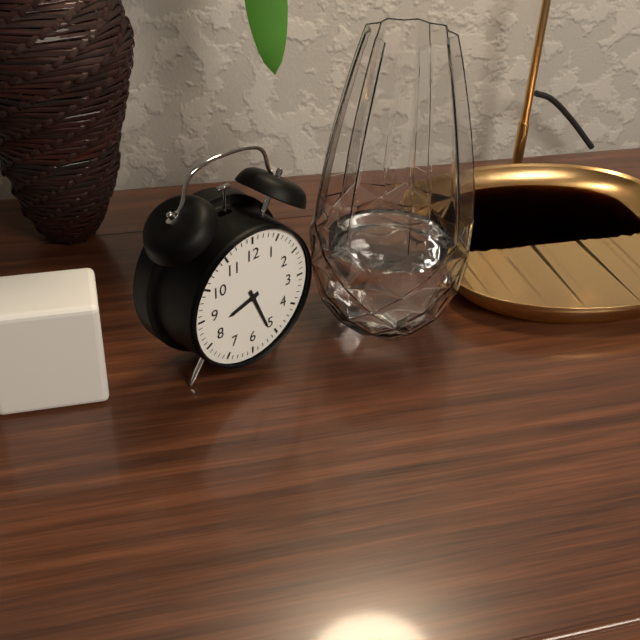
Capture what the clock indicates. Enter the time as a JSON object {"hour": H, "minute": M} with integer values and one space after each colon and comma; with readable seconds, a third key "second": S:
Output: {"hour": 8, "minute": 26}
